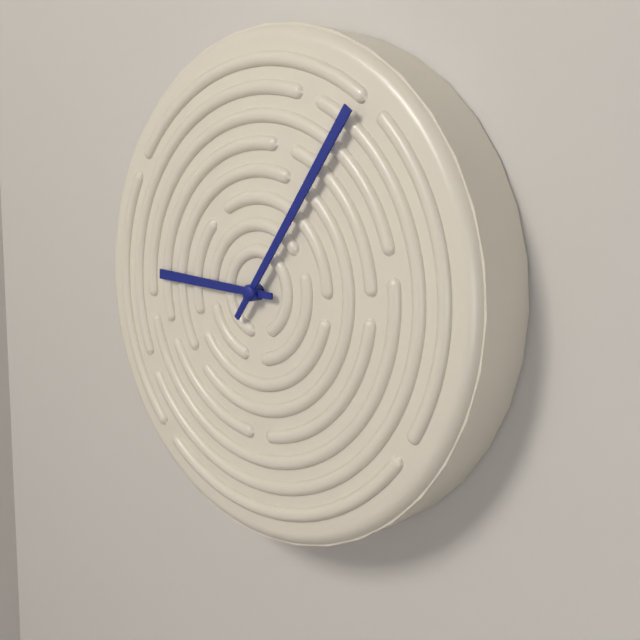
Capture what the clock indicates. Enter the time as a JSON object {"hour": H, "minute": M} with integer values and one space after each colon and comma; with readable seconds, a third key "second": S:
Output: {"hour": 9, "minute": 6}
